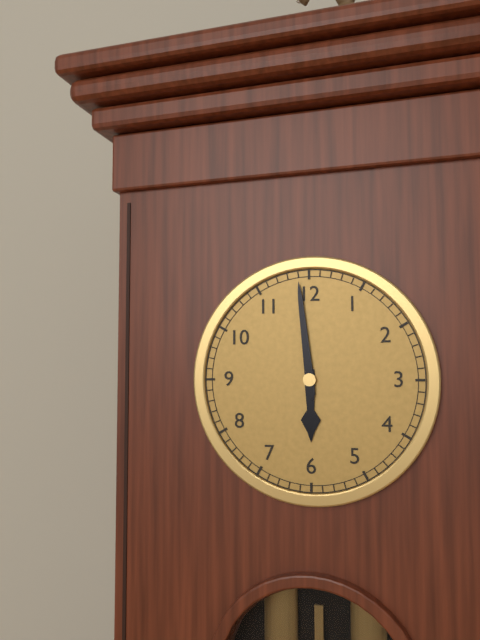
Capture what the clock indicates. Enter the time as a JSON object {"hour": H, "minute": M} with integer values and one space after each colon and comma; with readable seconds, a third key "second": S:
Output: {"hour": 5, "minute": 59}
